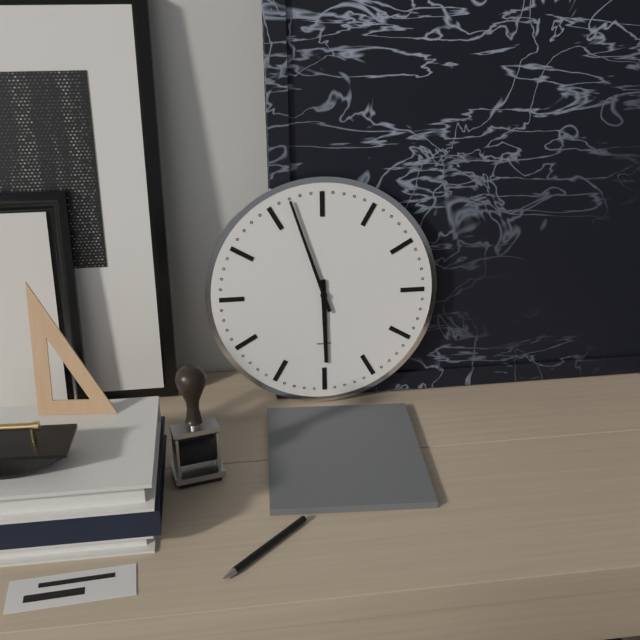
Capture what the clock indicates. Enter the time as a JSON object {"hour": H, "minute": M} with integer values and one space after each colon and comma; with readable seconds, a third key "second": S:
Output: {"hour": 5, "minute": 57}
